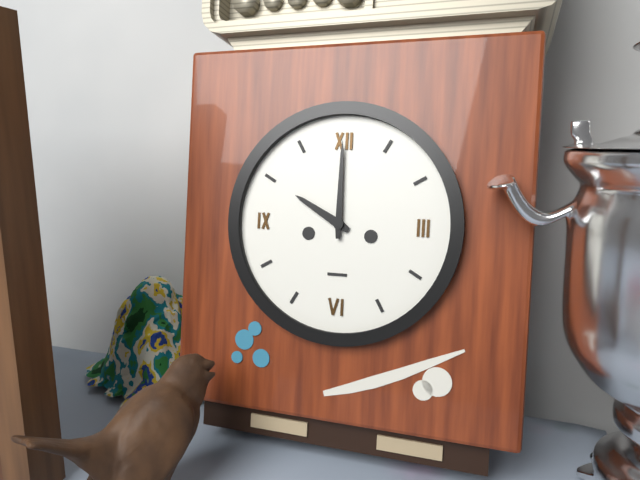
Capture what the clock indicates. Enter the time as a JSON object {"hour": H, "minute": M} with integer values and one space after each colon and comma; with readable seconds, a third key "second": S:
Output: {"hour": 10, "minute": 0}
